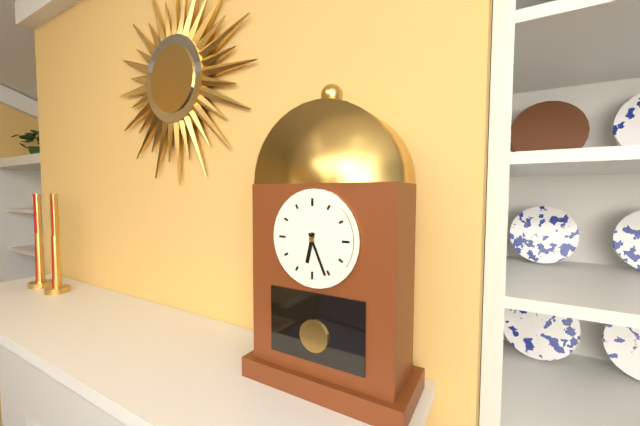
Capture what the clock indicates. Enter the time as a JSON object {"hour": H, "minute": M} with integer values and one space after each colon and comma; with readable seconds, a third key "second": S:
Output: {"hour": 6, "minute": 26}
